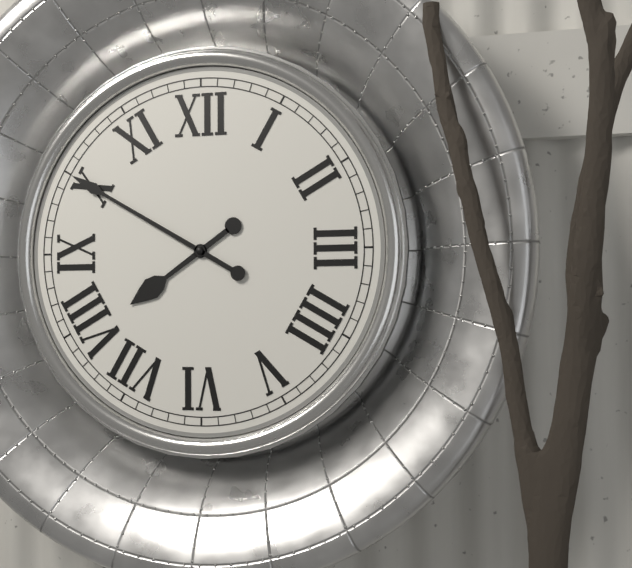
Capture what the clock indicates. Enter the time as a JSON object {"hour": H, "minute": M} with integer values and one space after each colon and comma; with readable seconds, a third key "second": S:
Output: {"hour": 7, "minute": 50}
